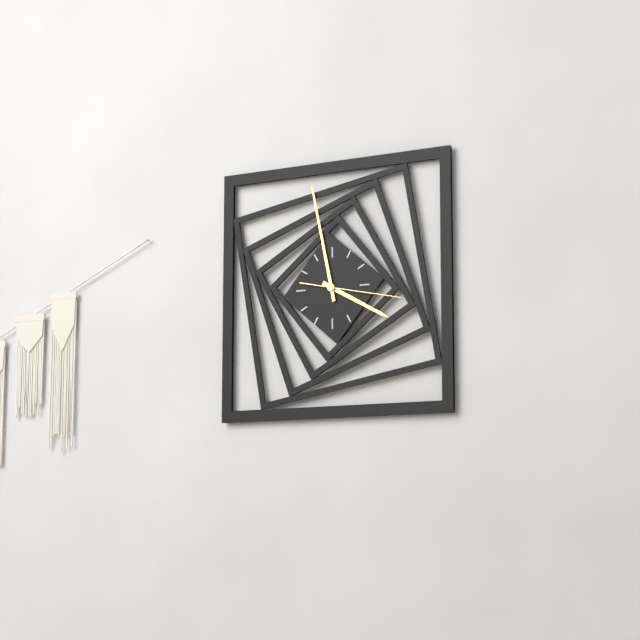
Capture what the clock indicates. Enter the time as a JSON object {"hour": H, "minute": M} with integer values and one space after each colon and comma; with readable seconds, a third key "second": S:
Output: {"hour": 3, "minute": 58, "second": 17}
